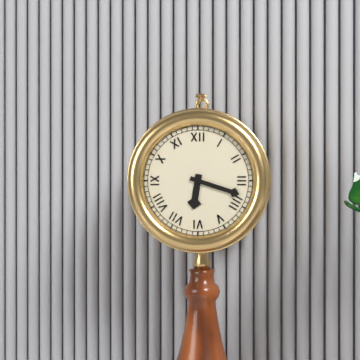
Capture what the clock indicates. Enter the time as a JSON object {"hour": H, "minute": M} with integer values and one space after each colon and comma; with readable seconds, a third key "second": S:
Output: {"hour": 6, "minute": 18}
